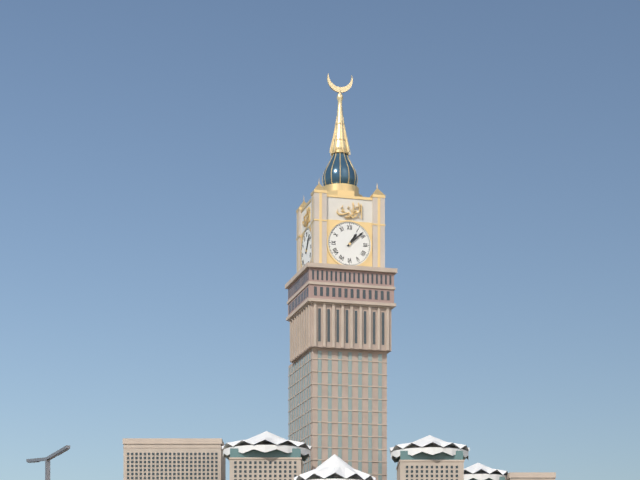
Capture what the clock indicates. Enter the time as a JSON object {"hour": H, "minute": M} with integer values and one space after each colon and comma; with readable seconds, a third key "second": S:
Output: {"hour": 1, "minute": 8}
